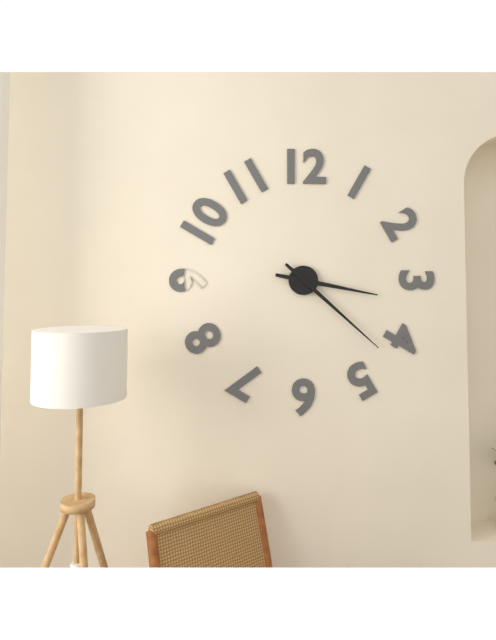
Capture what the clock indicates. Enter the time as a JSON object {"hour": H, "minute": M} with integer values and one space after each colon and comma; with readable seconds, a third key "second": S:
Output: {"hour": 3, "minute": 22}
